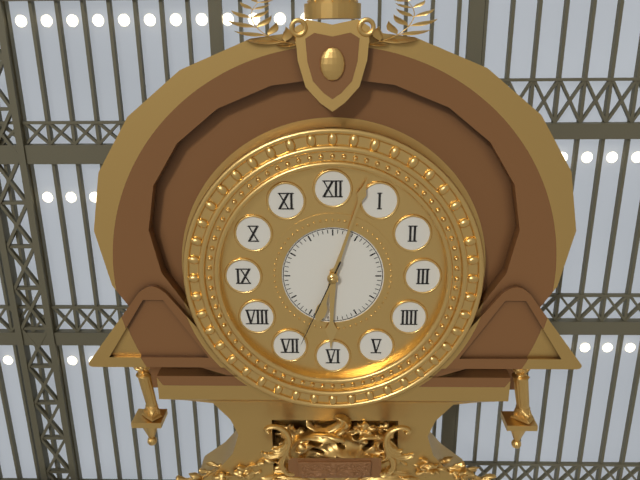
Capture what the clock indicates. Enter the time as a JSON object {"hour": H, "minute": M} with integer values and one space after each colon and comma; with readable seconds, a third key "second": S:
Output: {"hour": 6, "minute": 3, "second": 34}
